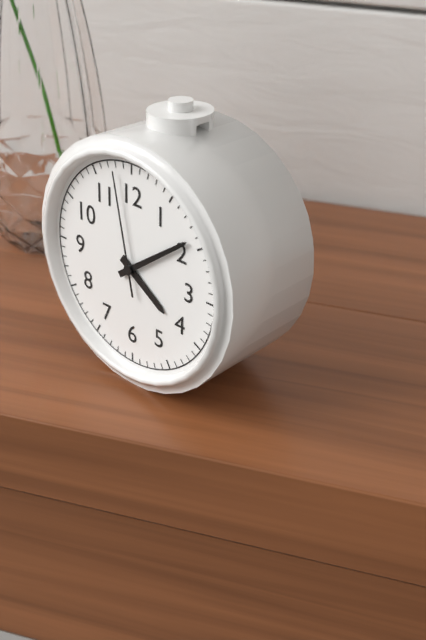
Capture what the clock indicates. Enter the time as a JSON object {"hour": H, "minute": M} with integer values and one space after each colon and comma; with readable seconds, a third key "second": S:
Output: {"hour": 4, "minute": 9, "second": 58}
